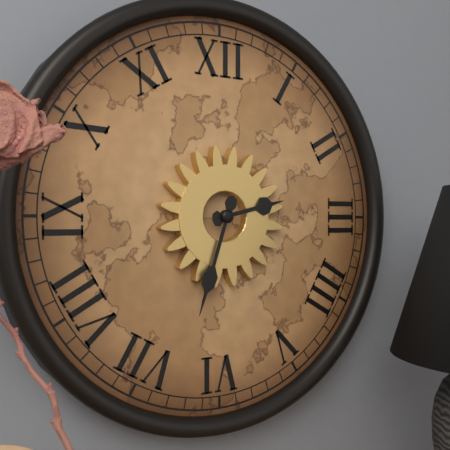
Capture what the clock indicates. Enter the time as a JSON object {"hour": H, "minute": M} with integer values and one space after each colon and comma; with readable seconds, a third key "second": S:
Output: {"hour": 2, "minute": 33}
